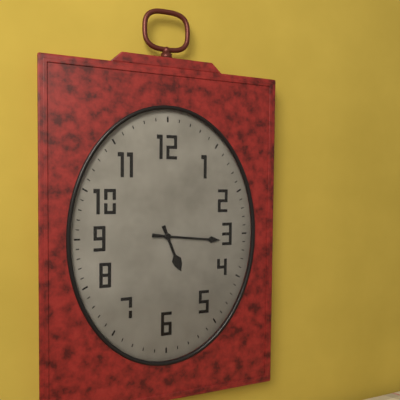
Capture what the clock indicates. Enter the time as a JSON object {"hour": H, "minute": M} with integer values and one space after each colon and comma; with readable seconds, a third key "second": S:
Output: {"hour": 5, "minute": 16}
